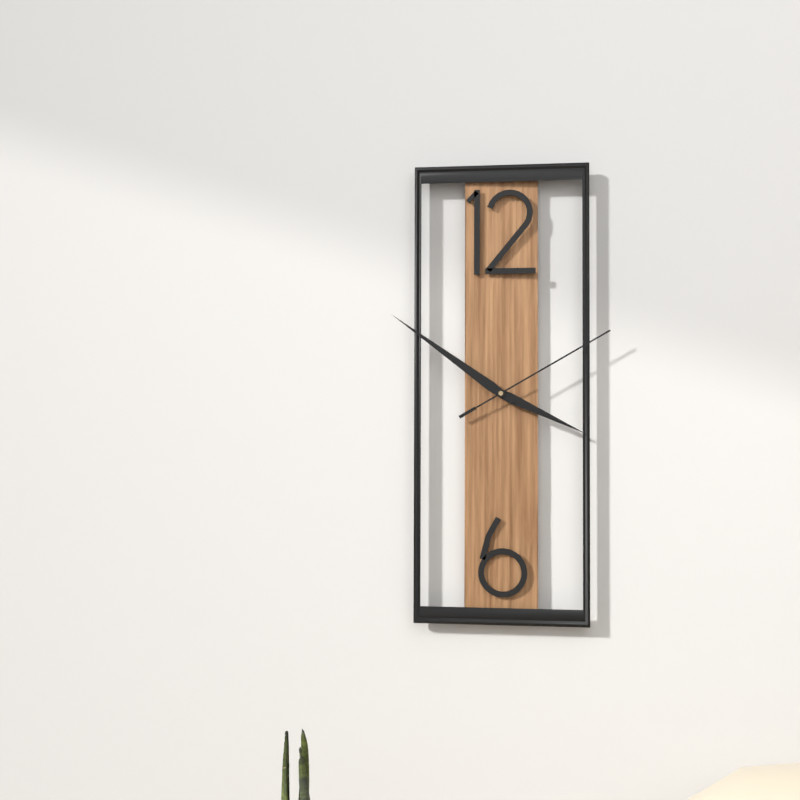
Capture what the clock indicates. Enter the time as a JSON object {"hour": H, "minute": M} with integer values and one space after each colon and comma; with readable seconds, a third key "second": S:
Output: {"hour": 3, "minute": 51, "second": 10}
